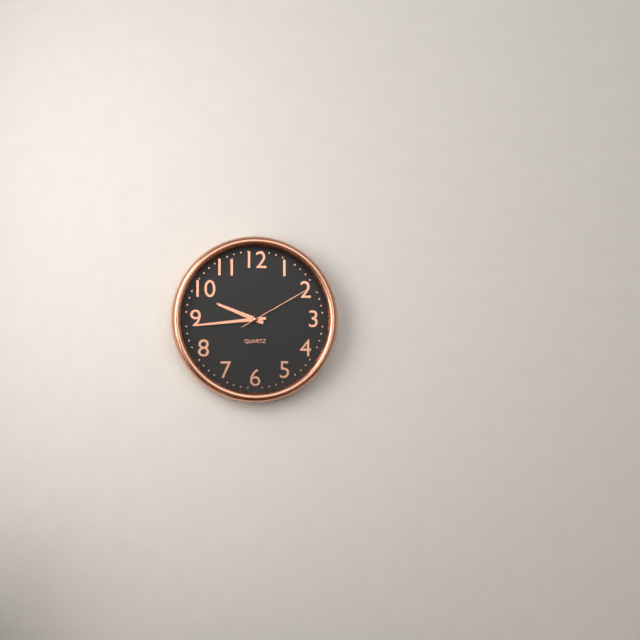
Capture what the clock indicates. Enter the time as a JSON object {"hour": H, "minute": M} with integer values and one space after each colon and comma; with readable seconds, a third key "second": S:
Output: {"hour": 9, "minute": 44, "second": 10}
